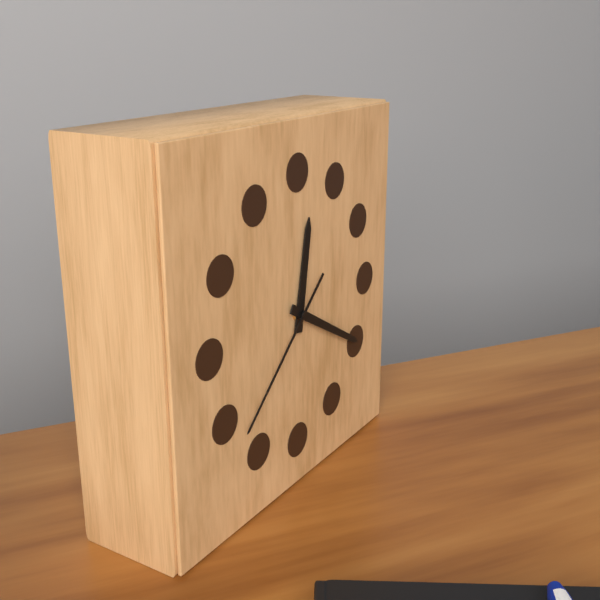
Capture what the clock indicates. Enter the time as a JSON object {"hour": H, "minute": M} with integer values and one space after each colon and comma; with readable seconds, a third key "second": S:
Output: {"hour": 12, "minute": 20, "second": 38}
